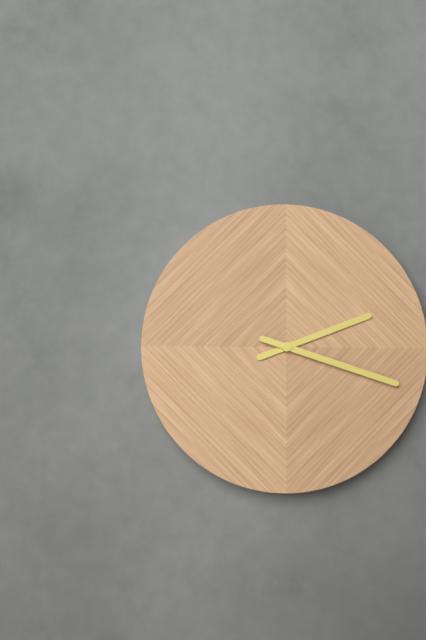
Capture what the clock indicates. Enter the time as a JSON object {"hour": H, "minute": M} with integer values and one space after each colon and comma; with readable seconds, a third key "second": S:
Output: {"hour": 2, "minute": 18}
